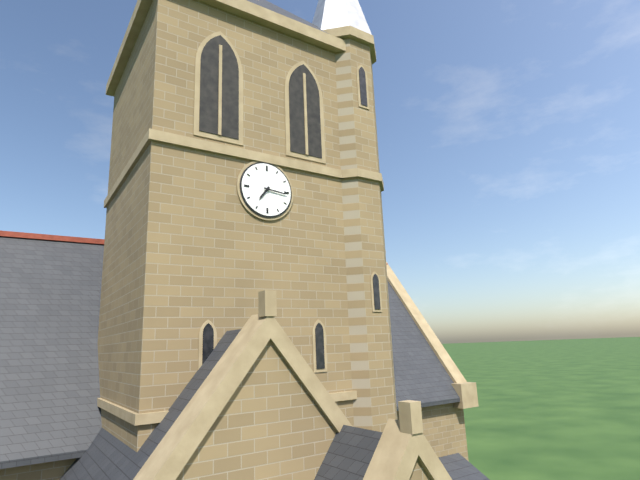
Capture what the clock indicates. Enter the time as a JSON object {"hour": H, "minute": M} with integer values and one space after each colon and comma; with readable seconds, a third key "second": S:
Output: {"hour": 7, "minute": 16}
